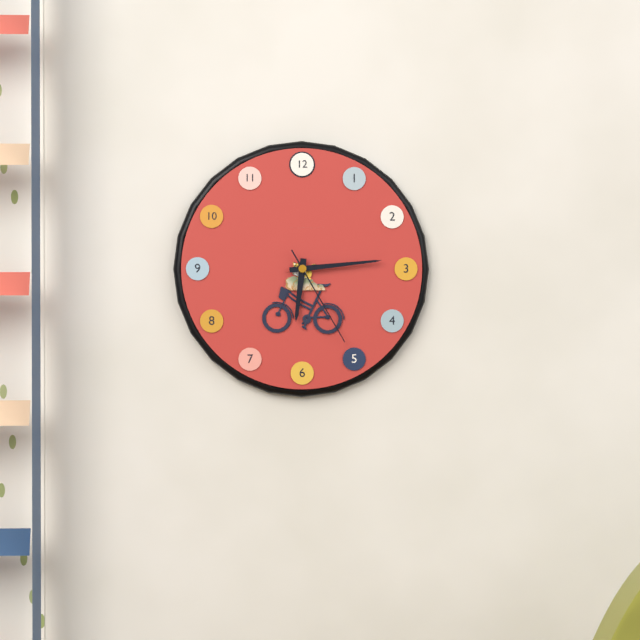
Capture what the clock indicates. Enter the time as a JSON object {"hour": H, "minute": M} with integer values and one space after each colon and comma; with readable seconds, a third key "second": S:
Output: {"hour": 6, "minute": 14, "second": 25}
